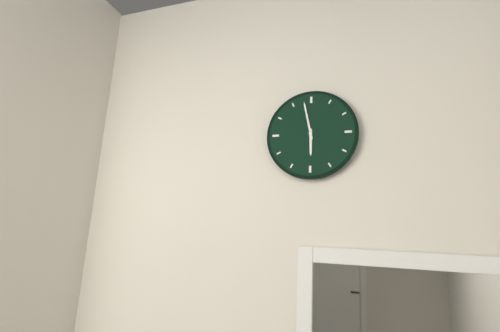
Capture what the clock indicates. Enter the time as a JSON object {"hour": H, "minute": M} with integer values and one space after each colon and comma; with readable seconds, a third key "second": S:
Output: {"hour": 5, "minute": 58}
